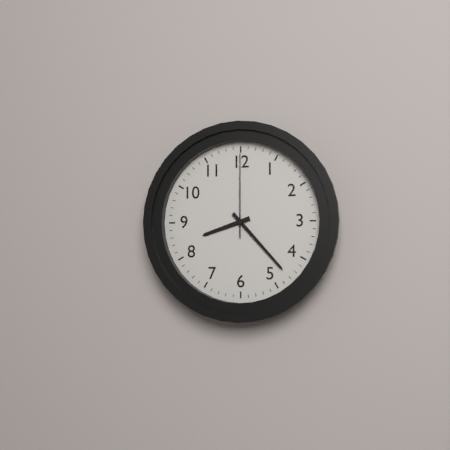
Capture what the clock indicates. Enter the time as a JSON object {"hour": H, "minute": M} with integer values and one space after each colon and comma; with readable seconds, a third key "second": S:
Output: {"hour": 8, "minute": 23, "second": 0}
